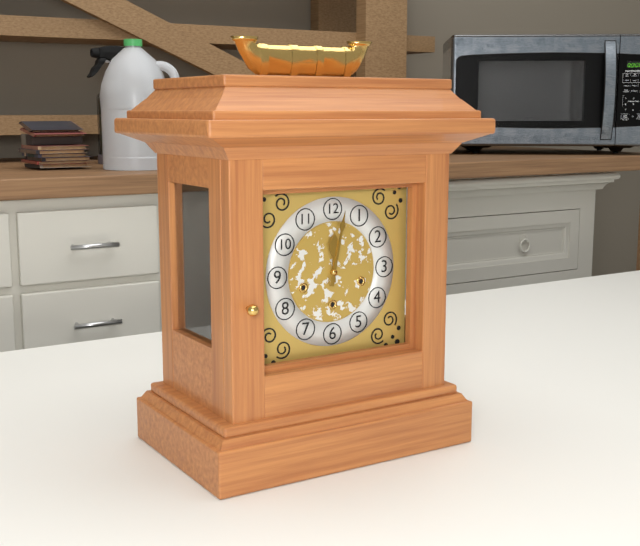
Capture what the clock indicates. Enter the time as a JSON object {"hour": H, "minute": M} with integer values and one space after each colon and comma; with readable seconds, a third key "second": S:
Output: {"hour": 12, "minute": 2}
